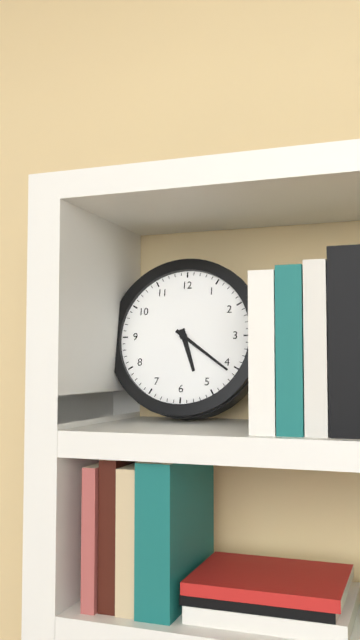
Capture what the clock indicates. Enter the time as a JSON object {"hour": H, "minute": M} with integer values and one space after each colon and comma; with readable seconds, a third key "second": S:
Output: {"hour": 5, "minute": 21}
